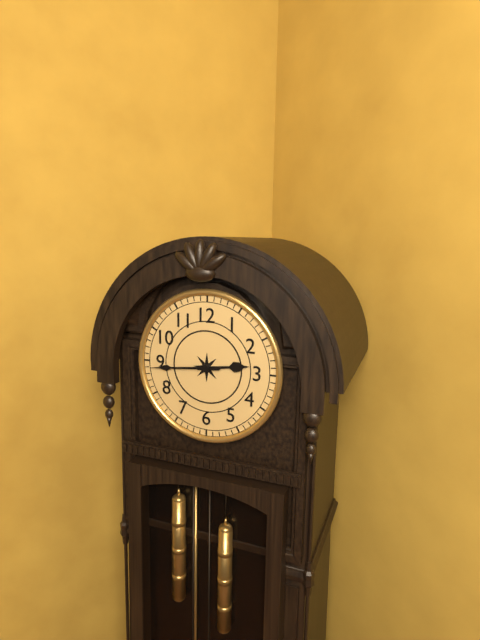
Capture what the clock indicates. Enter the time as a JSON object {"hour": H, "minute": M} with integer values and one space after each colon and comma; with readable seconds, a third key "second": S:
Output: {"hour": 2, "minute": 44}
